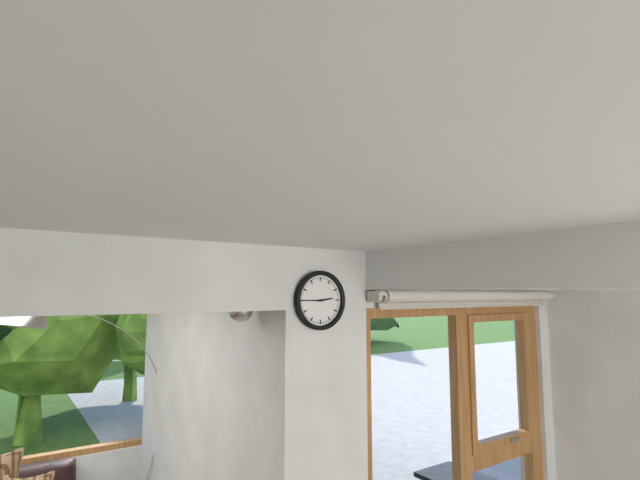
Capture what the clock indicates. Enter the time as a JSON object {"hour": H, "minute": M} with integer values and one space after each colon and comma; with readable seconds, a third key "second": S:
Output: {"hour": 2, "minute": 45}
